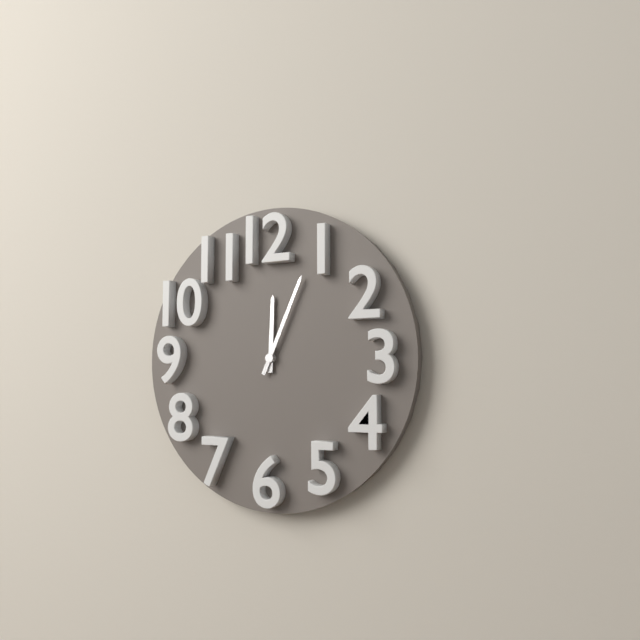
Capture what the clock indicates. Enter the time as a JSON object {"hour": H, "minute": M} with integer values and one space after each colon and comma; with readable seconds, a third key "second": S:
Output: {"hour": 12, "minute": 4}
